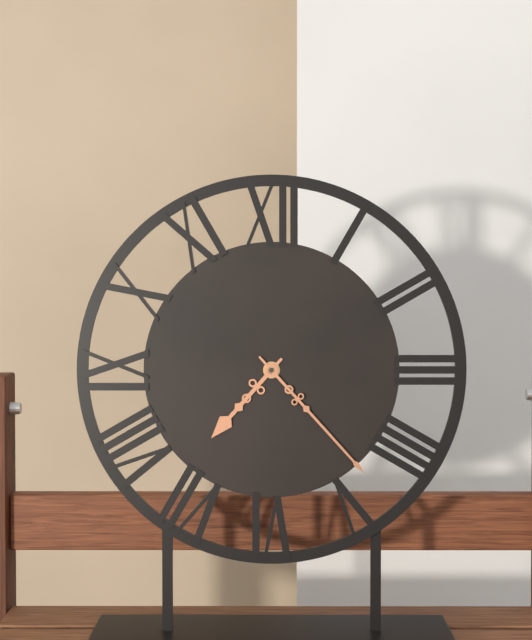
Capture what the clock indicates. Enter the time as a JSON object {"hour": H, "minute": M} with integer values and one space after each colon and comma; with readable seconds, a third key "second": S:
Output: {"hour": 7, "minute": 23}
